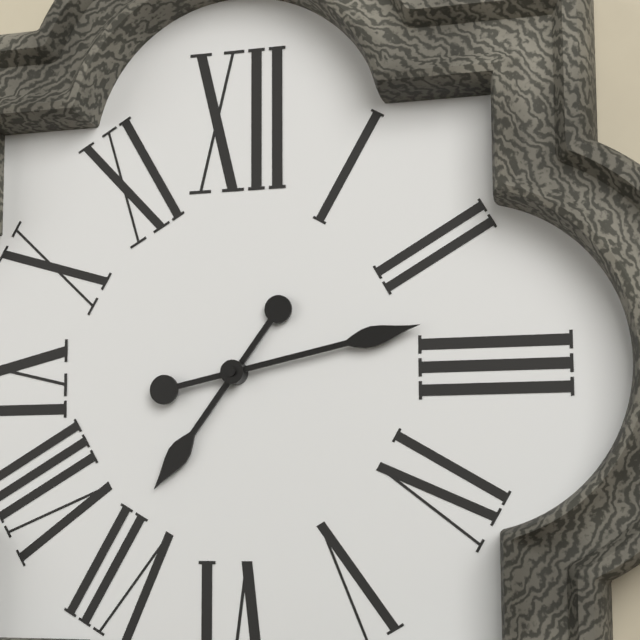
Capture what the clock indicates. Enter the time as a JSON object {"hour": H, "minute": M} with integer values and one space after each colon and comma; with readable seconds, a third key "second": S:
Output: {"hour": 7, "minute": 13}
